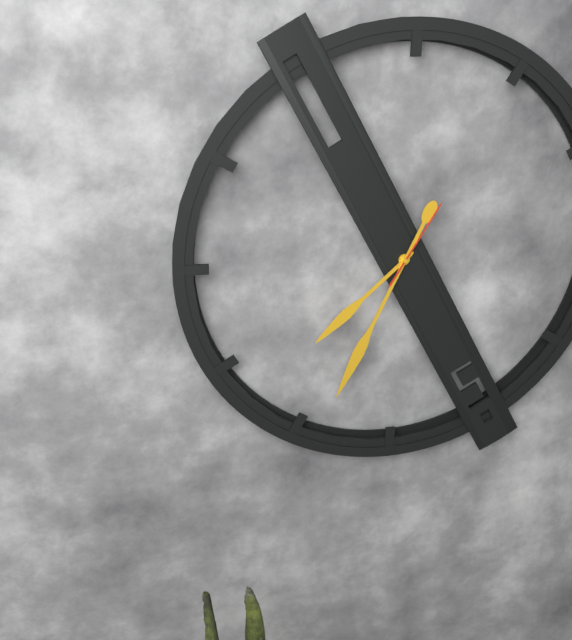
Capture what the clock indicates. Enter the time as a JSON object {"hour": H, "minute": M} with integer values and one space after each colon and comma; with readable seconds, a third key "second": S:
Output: {"hour": 7, "minute": 34, "second": 5}
